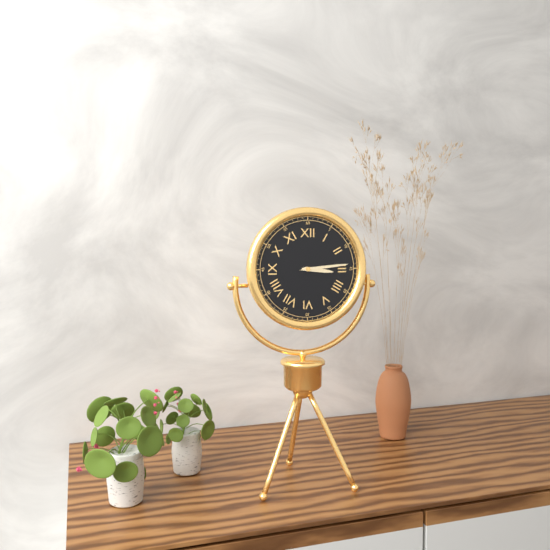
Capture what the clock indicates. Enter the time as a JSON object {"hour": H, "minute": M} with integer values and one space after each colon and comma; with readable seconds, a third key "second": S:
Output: {"hour": 3, "minute": 14}
